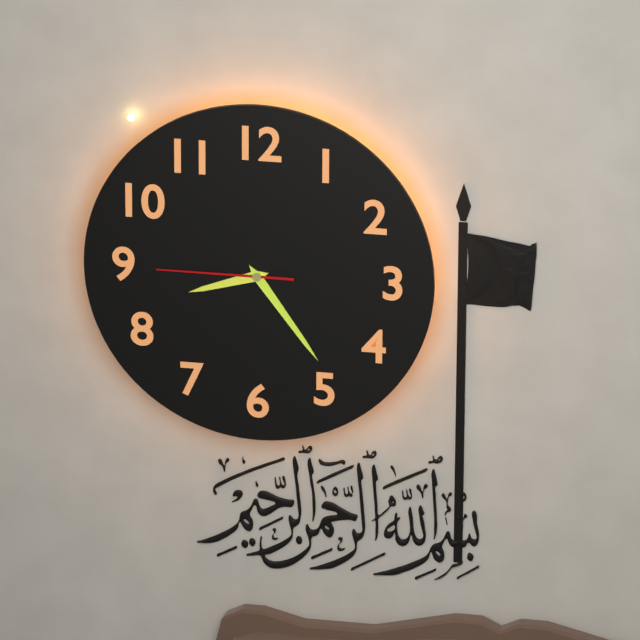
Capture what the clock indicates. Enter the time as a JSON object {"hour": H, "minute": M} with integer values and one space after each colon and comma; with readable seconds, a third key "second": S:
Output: {"hour": 8, "minute": 24, "second": 45}
